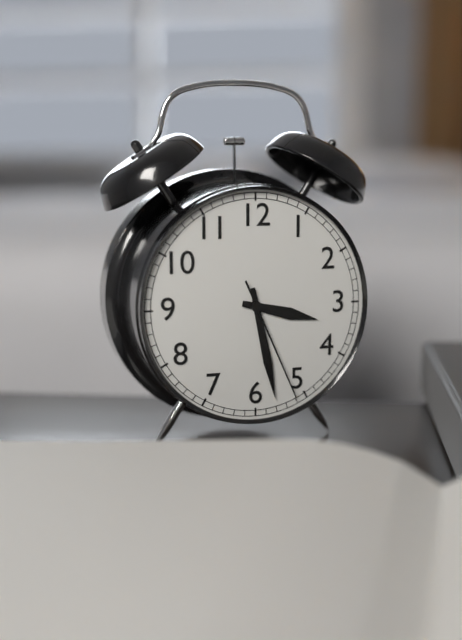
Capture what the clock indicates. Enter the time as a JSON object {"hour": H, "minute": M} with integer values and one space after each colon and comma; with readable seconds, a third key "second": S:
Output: {"hour": 3, "minute": 28, "second": 26}
